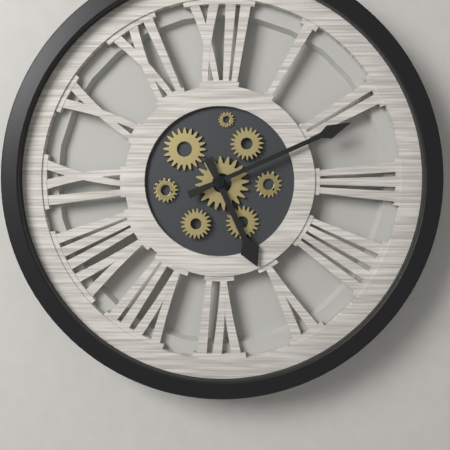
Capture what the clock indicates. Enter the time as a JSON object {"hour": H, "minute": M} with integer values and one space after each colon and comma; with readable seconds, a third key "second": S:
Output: {"hour": 5, "minute": 11}
